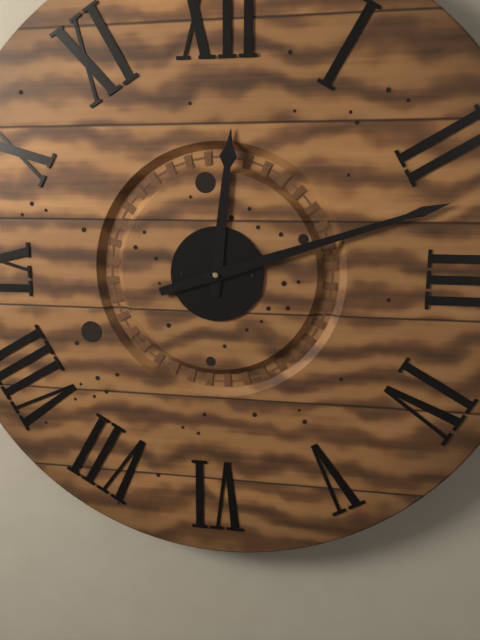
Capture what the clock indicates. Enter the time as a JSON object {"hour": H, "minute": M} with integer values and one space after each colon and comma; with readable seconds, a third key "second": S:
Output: {"hour": 12, "minute": 12}
